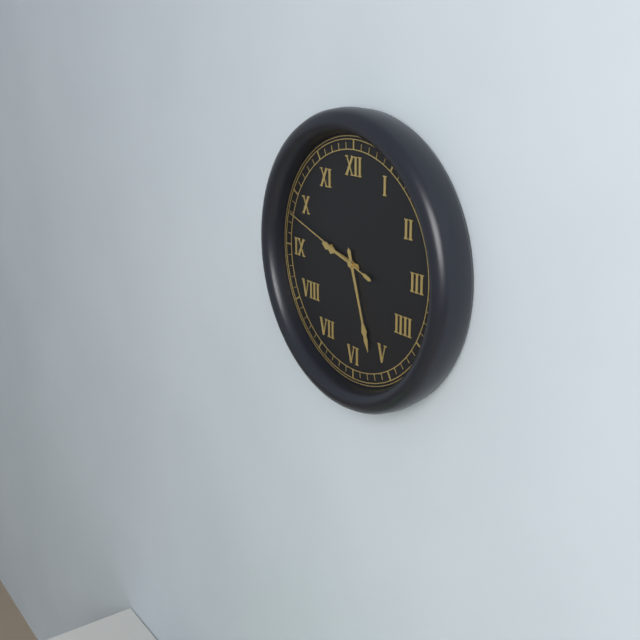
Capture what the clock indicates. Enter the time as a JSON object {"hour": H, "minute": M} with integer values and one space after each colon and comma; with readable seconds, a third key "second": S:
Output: {"hour": 9, "minute": 27, "second": 48}
